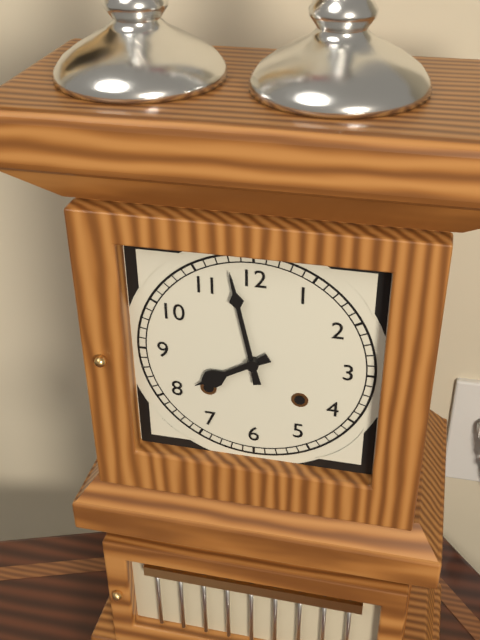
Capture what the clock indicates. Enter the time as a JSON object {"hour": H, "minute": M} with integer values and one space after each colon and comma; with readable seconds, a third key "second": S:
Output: {"hour": 7, "minute": 58}
